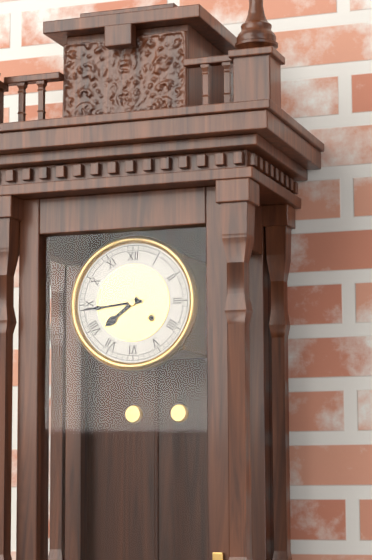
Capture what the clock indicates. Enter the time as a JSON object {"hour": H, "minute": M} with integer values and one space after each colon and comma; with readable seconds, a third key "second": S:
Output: {"hour": 7, "minute": 44}
